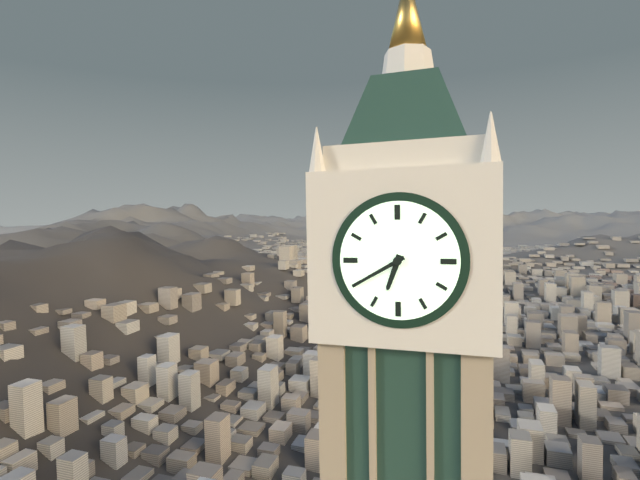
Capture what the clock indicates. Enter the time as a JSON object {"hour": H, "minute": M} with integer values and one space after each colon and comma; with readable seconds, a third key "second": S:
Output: {"hour": 6, "minute": 40}
